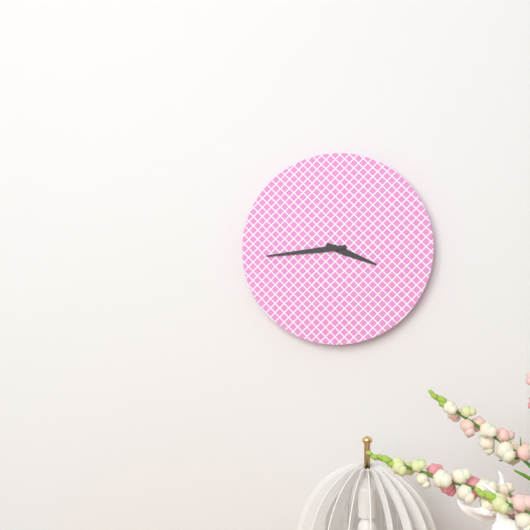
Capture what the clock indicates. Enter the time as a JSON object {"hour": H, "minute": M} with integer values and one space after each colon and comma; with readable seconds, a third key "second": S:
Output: {"hour": 3, "minute": 44}
